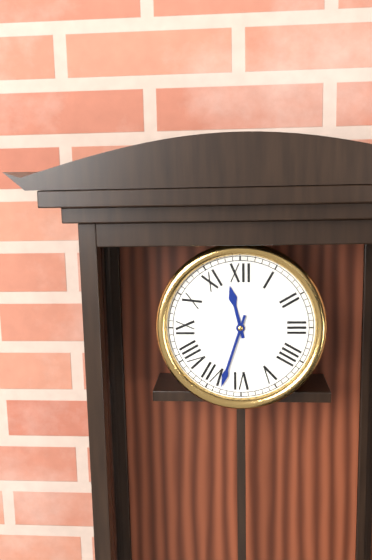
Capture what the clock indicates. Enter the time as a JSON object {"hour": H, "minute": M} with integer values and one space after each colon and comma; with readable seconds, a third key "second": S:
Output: {"hour": 11, "minute": 33}
